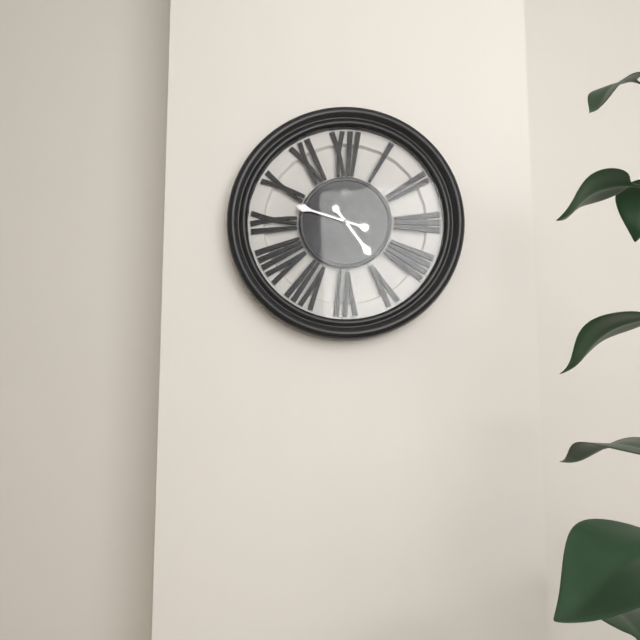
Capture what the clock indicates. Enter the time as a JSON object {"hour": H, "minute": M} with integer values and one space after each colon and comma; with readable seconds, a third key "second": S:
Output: {"hour": 4, "minute": 48}
